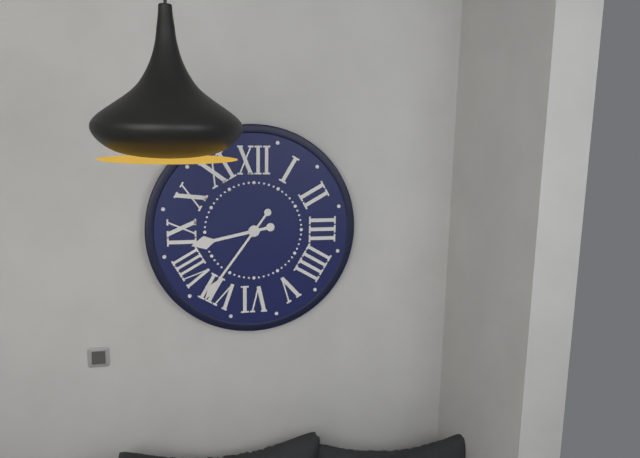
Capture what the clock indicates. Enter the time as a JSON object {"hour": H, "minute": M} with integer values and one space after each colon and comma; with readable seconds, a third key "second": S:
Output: {"hour": 8, "minute": 36}
